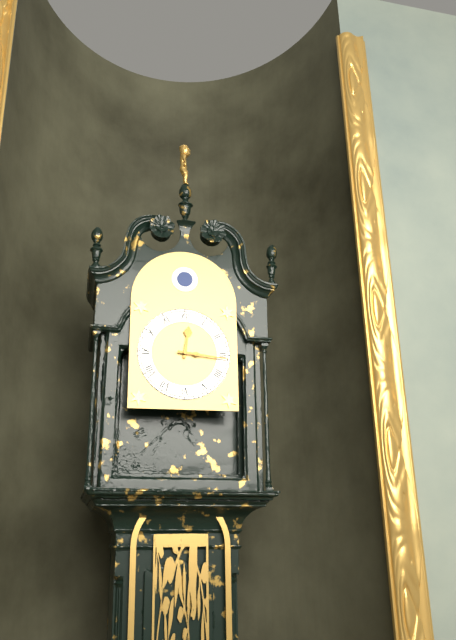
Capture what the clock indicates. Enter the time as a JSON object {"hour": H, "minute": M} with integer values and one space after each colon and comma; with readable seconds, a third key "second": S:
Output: {"hour": 12, "minute": 16}
